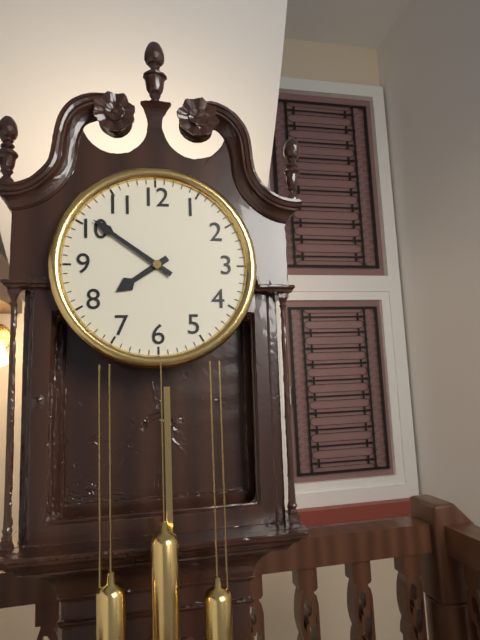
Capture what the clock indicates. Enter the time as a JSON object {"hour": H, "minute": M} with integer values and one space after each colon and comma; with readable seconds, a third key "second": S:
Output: {"hour": 7, "minute": 51}
